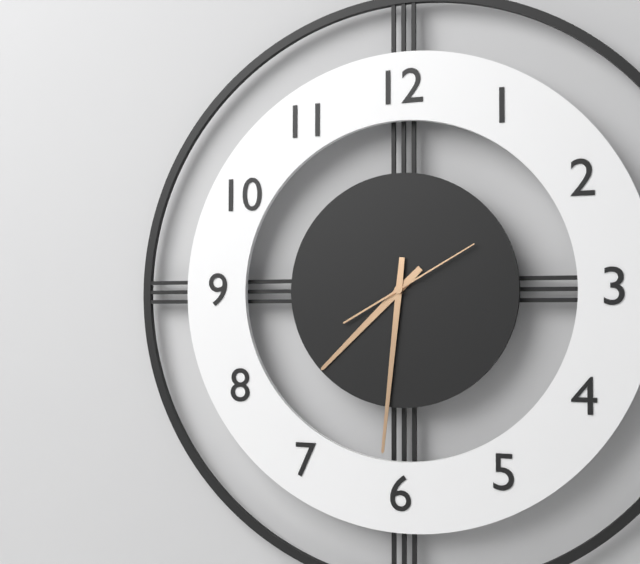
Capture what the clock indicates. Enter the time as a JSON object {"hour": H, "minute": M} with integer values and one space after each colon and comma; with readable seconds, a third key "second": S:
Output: {"hour": 7, "minute": 31, "second": 10}
